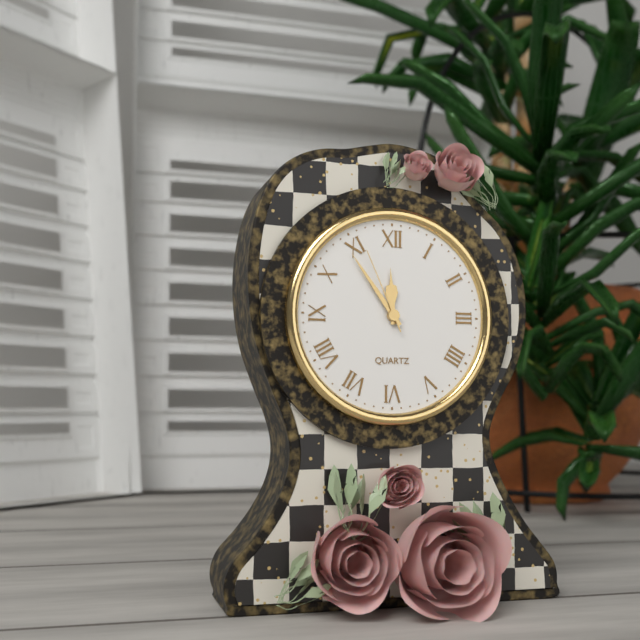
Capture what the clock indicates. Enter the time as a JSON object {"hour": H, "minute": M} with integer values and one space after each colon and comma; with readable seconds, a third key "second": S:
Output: {"hour": 11, "minute": 54, "second": 56}
